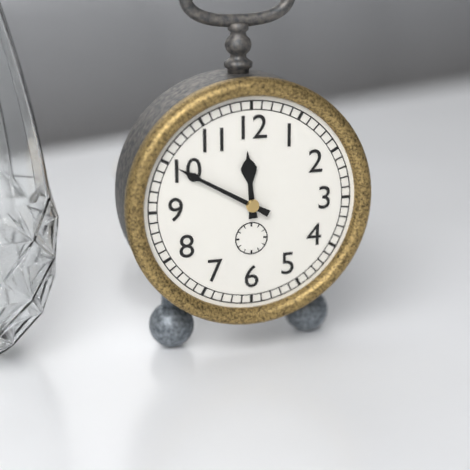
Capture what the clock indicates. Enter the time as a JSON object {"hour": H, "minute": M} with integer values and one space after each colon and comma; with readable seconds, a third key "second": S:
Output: {"hour": 11, "minute": 50}
